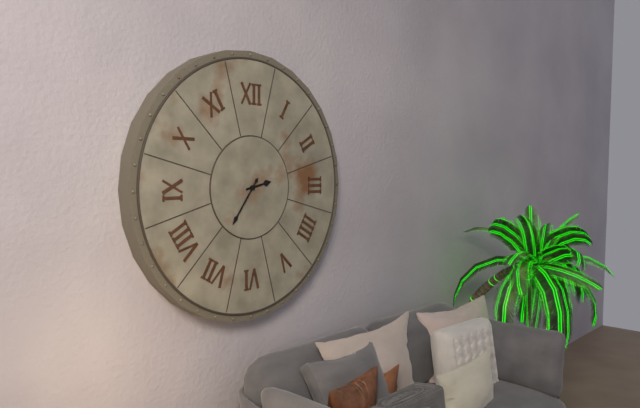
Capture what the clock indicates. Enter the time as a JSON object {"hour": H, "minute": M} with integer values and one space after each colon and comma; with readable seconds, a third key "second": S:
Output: {"hour": 2, "minute": 36}
